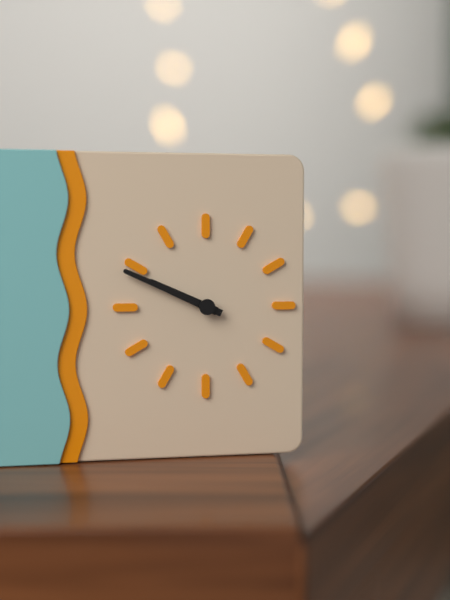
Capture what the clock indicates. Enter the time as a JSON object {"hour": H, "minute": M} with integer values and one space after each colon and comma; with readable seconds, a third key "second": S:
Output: {"hour": 9, "minute": 49}
